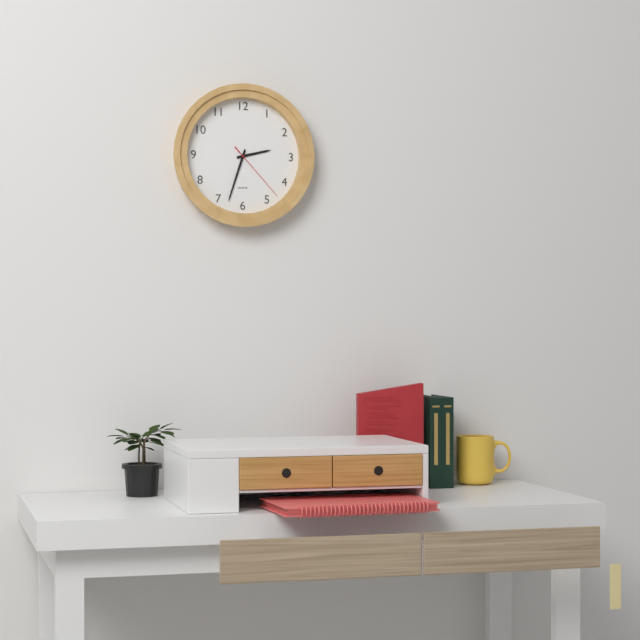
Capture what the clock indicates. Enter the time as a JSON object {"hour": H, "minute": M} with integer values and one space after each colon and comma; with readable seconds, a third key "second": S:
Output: {"hour": 2, "minute": 33, "second": 23}
